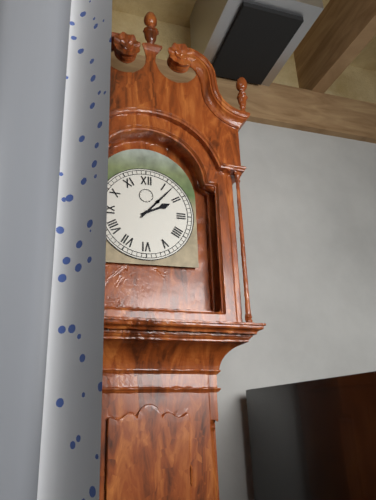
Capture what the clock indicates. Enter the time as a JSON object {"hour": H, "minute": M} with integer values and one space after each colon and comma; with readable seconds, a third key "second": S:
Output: {"hour": 2, "minute": 7}
